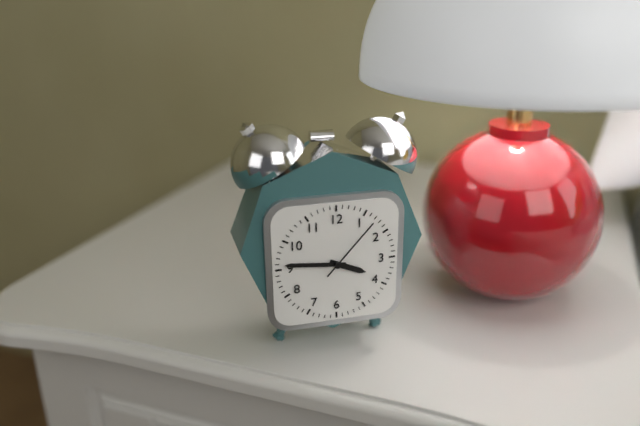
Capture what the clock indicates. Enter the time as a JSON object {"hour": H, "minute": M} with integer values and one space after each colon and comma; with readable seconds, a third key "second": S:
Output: {"hour": 3, "minute": 46, "second": 7}
